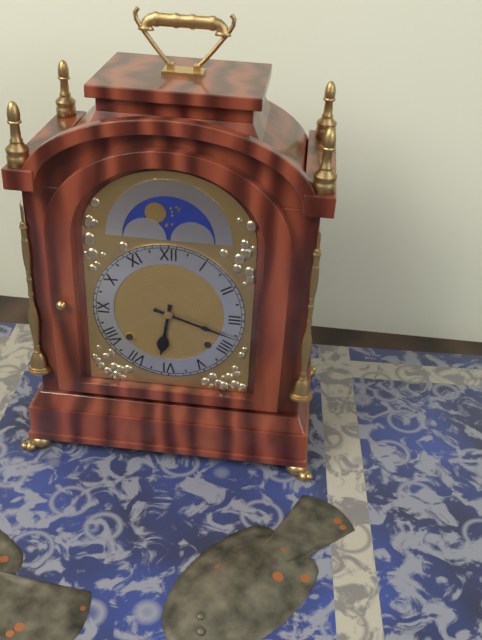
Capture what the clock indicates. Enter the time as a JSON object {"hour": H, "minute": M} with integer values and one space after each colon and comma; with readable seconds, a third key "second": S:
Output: {"hour": 6, "minute": 18}
